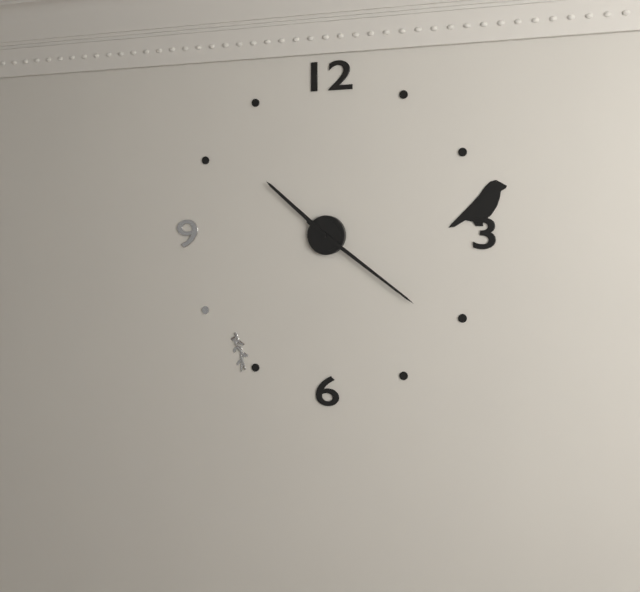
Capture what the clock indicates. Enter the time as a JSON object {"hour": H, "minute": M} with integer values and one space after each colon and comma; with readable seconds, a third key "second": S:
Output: {"hour": 10, "minute": 21}
